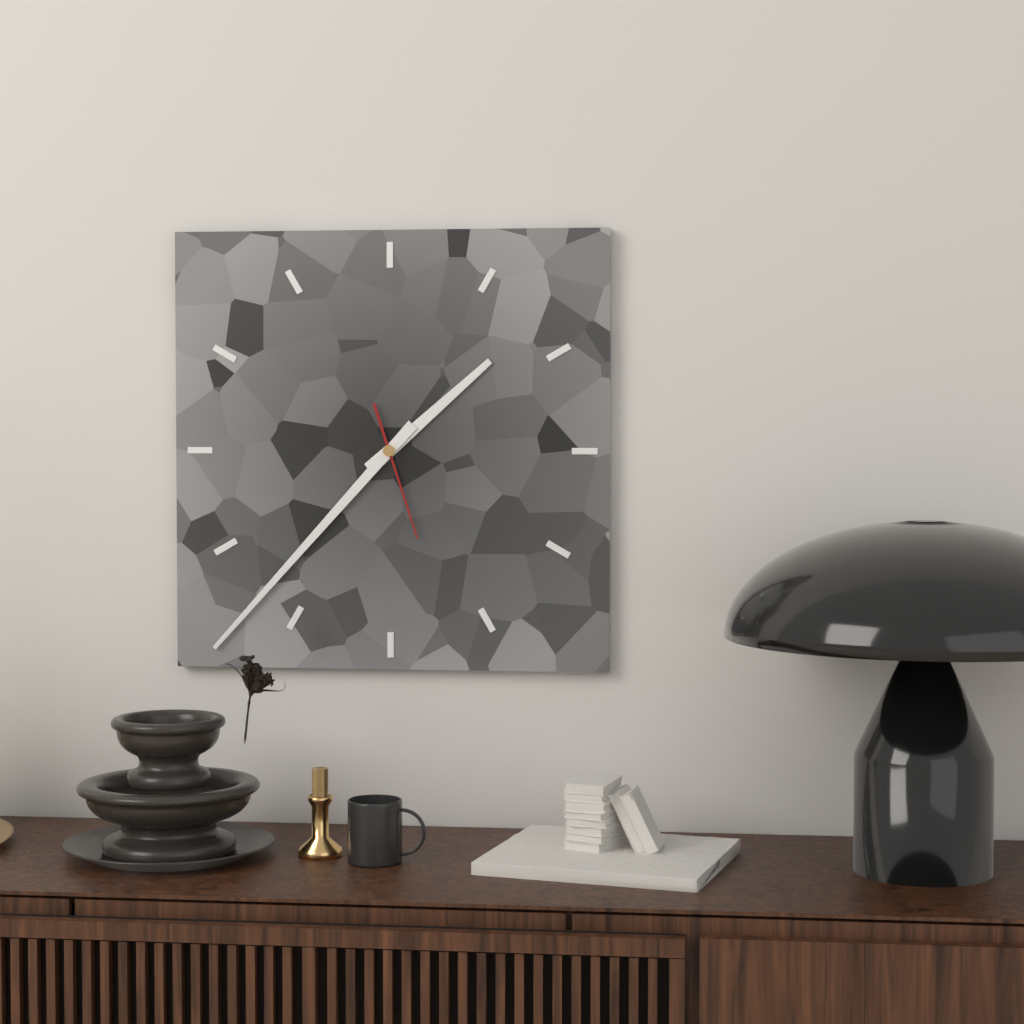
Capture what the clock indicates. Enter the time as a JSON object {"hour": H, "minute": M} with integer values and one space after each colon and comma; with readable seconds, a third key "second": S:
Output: {"hour": 1, "minute": 37, "second": 27}
